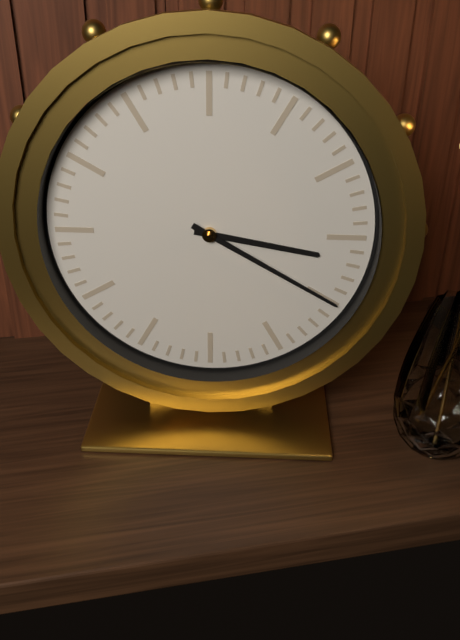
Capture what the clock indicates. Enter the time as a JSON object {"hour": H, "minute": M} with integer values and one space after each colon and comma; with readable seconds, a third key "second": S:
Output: {"hour": 3, "minute": 20}
